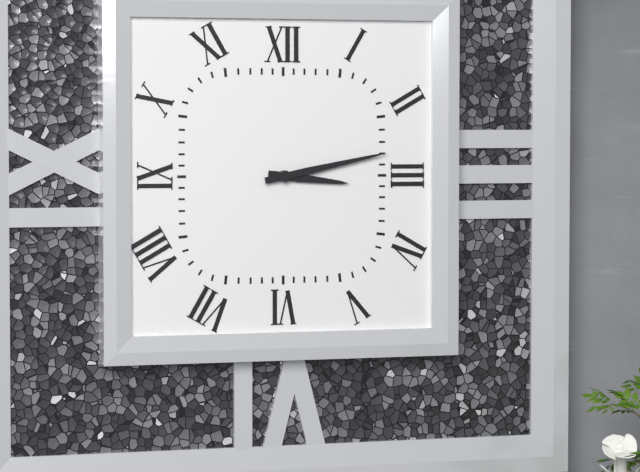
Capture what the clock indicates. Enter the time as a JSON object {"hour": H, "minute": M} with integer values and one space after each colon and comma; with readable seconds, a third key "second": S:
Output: {"hour": 3, "minute": 13}
